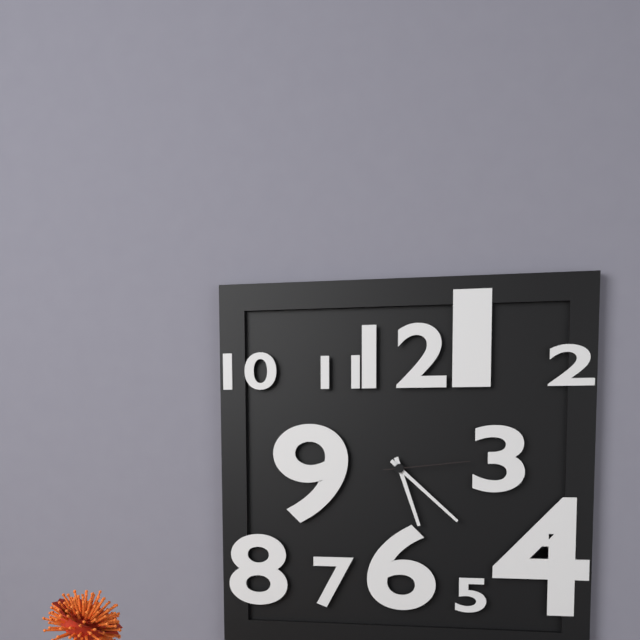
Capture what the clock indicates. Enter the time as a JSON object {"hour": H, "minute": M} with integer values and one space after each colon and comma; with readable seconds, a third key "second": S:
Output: {"hour": 5, "minute": 22, "second": 14}
